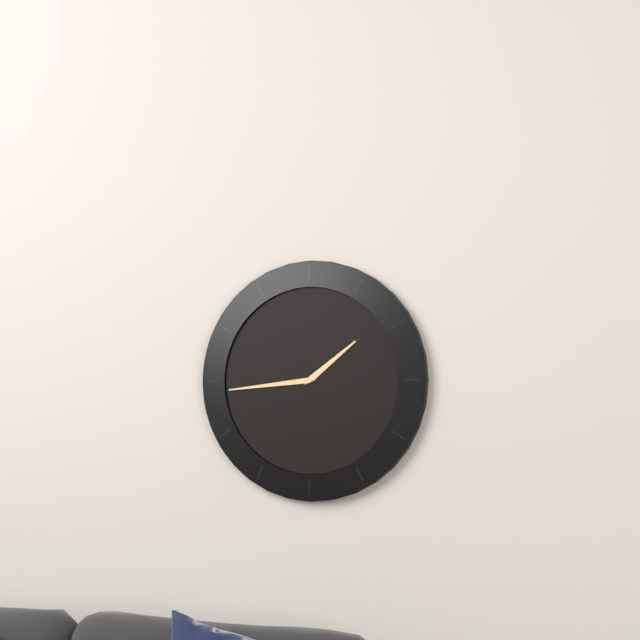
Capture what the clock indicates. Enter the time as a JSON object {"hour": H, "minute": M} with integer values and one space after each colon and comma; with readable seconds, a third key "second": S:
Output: {"hour": 1, "minute": 44}
